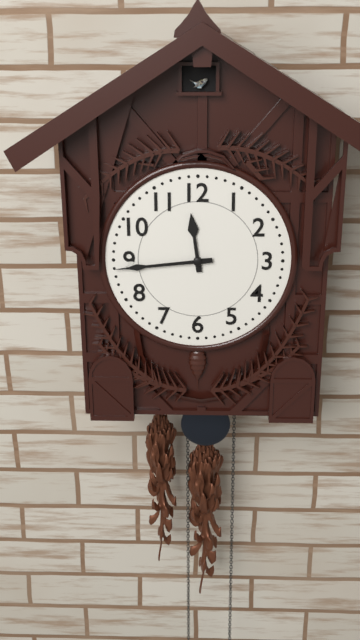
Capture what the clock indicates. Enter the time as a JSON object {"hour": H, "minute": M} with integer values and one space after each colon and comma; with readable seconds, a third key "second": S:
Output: {"hour": 11, "minute": 44}
